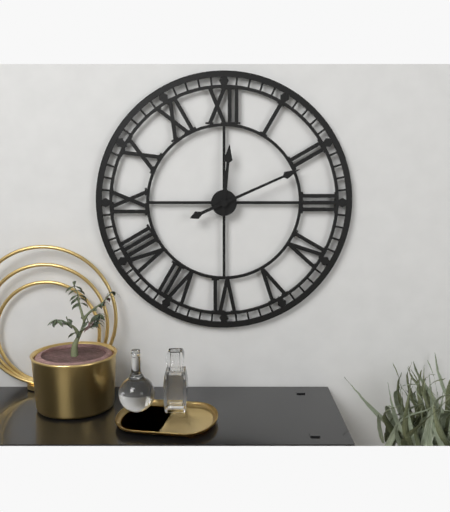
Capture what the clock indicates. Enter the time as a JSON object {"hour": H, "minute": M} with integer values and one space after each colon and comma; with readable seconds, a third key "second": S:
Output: {"hour": 12, "minute": 11}
